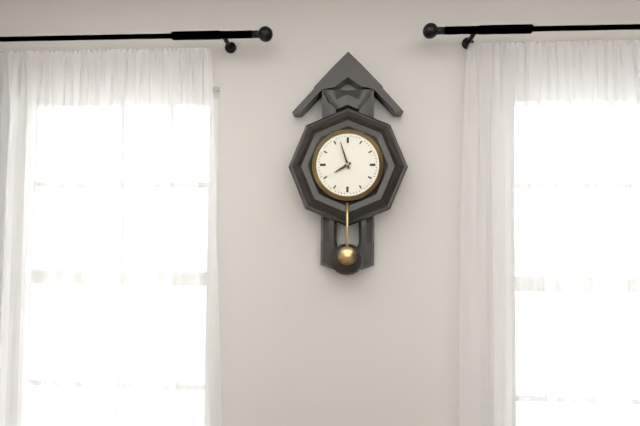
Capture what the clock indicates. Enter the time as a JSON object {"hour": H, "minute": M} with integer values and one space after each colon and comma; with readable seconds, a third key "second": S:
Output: {"hour": 7, "minute": 57}
